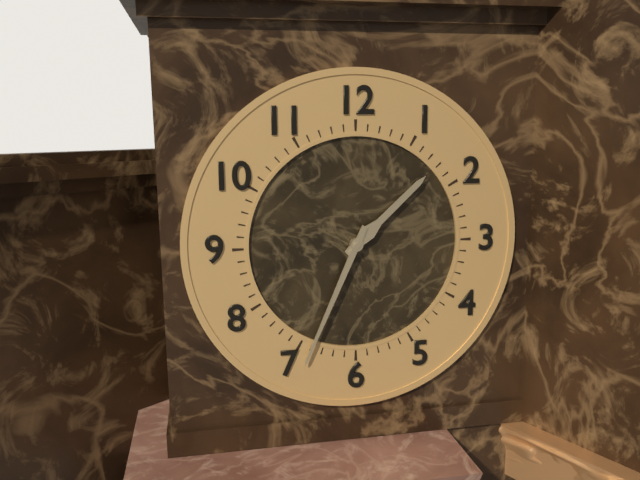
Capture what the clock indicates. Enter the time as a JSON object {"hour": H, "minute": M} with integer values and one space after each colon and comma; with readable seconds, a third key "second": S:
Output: {"hour": 1, "minute": 34}
